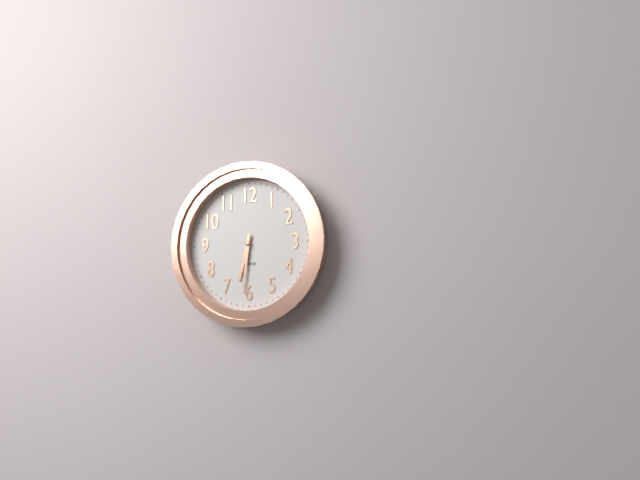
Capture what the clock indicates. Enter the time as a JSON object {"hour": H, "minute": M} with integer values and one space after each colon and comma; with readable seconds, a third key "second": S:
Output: {"hour": 6, "minute": 31}
